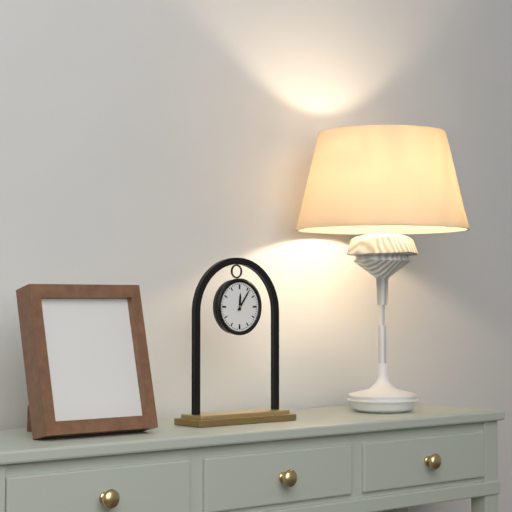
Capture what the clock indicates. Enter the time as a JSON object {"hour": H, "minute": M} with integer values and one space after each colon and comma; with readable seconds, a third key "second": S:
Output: {"hour": 12, "minute": 6}
